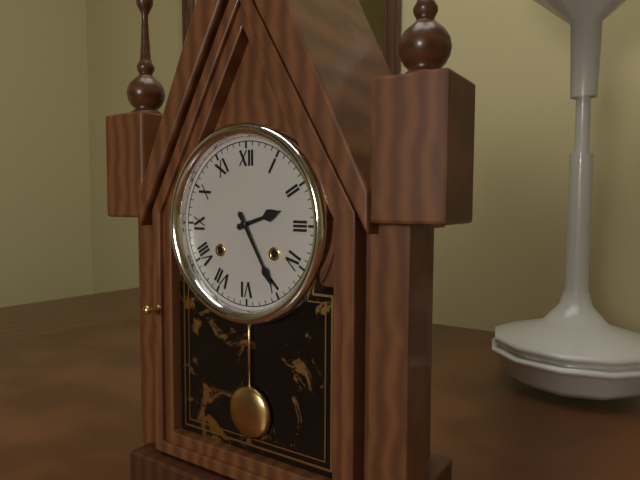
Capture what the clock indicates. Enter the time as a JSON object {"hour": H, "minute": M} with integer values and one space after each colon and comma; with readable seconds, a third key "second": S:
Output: {"hour": 2, "minute": 25}
